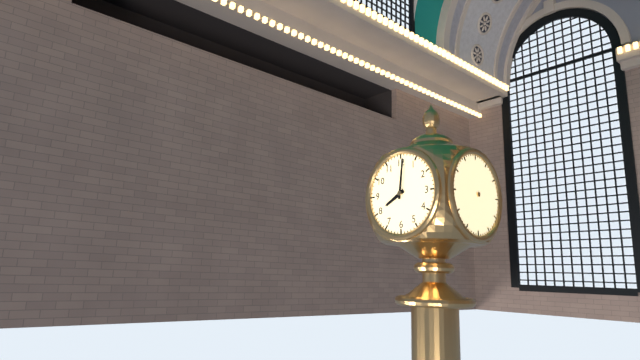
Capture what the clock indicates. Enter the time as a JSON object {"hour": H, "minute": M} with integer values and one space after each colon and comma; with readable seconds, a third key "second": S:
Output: {"hour": 8, "minute": 1}
